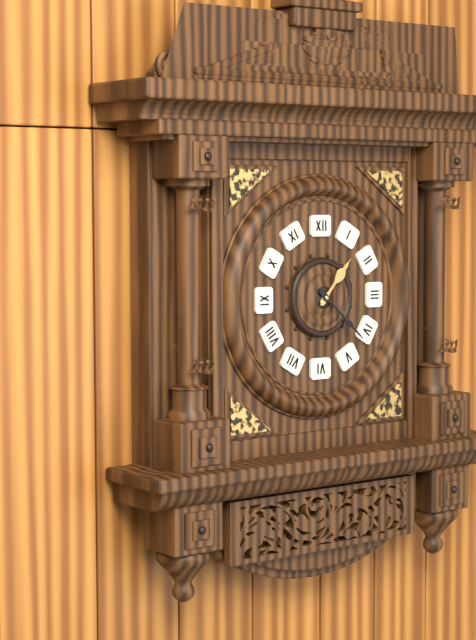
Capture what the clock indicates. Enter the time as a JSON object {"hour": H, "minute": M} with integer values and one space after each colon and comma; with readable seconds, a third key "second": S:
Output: {"hour": 1, "minute": 22}
